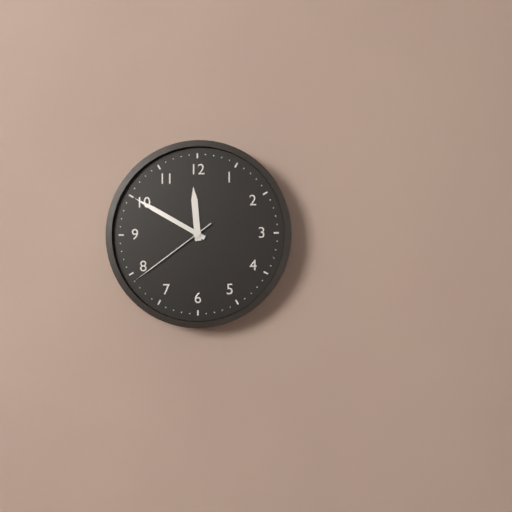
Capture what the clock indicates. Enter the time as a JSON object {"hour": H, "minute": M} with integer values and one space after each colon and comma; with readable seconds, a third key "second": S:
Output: {"hour": 11, "minute": 50, "second": 39}
